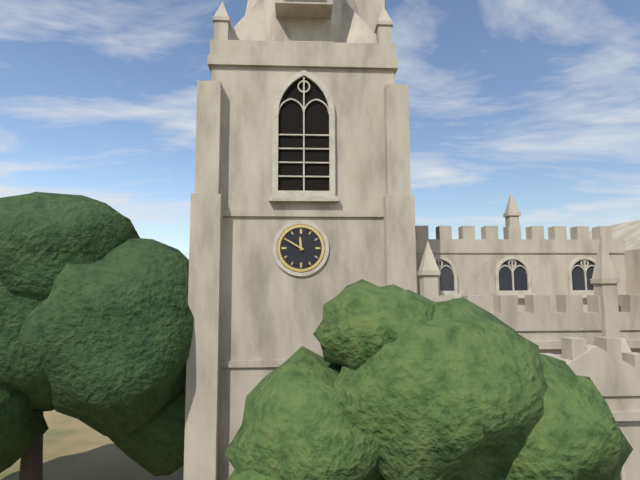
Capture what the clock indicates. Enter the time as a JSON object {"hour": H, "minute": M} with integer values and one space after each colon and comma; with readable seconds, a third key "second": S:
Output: {"hour": 11, "minute": 50}
